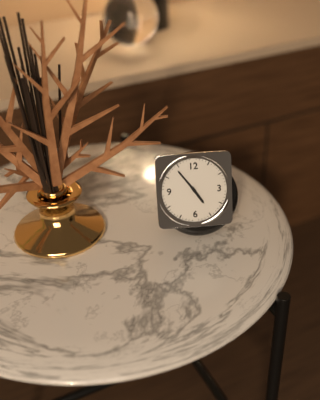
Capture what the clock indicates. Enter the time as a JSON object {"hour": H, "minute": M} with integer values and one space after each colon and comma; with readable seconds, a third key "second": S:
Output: {"hour": 4, "minute": 54}
